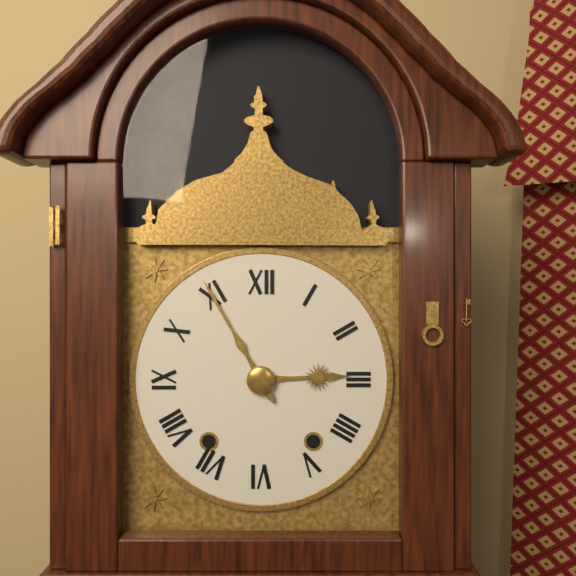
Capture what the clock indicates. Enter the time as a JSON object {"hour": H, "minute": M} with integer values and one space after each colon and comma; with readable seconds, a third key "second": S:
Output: {"hour": 2, "minute": 55}
